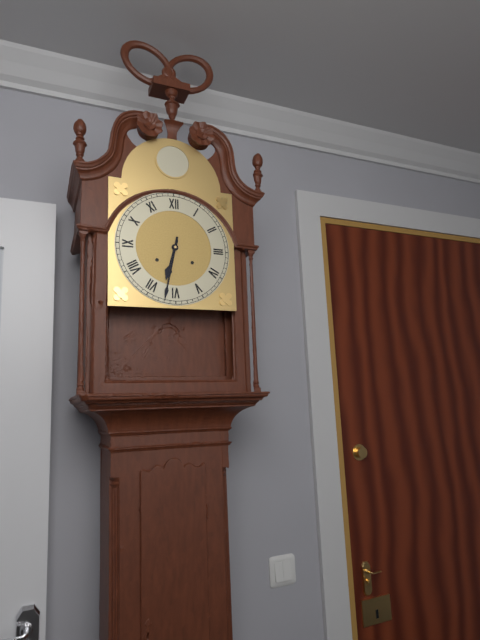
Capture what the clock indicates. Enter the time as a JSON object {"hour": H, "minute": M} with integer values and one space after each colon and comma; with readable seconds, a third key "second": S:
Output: {"hour": 6, "minute": 32}
